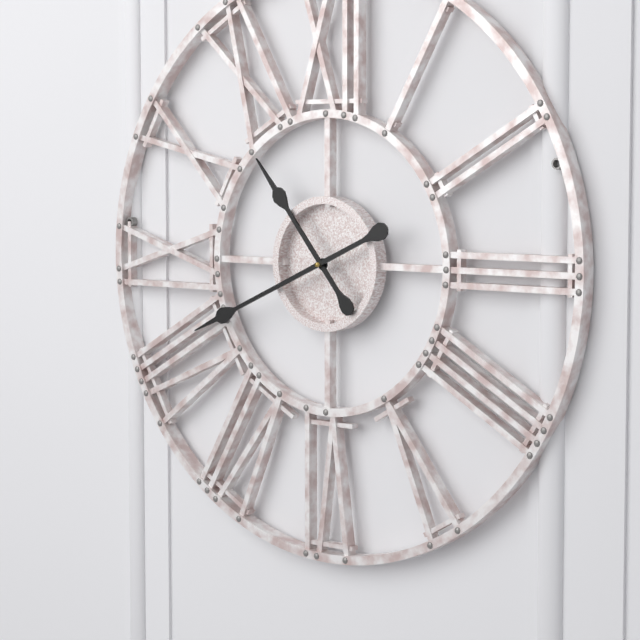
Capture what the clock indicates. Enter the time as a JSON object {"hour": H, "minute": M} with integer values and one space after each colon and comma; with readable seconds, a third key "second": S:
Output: {"hour": 10, "minute": 41}
